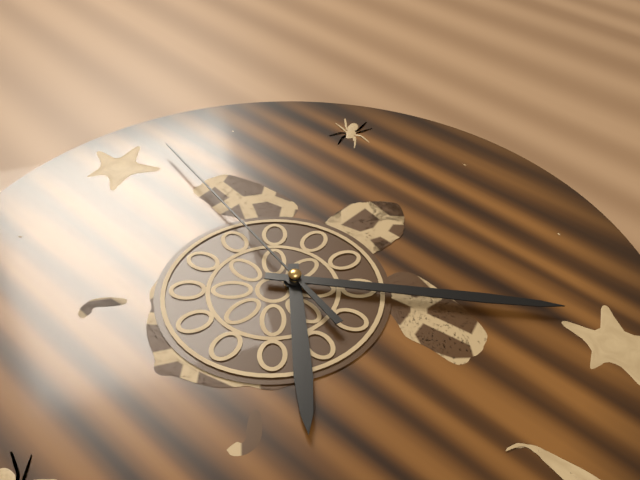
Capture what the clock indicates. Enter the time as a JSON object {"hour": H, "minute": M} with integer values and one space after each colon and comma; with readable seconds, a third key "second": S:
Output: {"hour": 7, "minute": 24, "second": 2}
